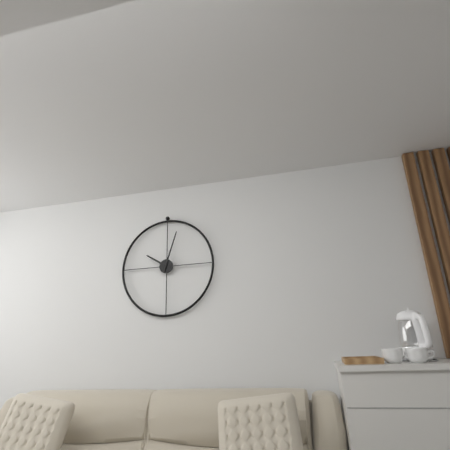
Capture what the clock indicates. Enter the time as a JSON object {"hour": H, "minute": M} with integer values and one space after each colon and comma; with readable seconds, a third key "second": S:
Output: {"hour": 10, "minute": 3}
